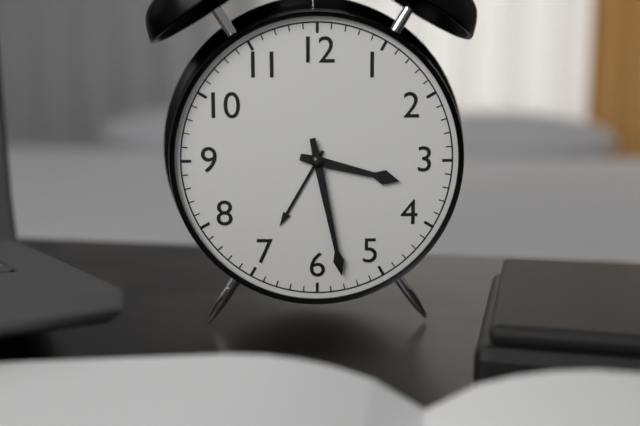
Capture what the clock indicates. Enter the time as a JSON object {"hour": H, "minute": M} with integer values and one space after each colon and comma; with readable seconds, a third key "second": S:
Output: {"hour": 3, "minute": 28}
